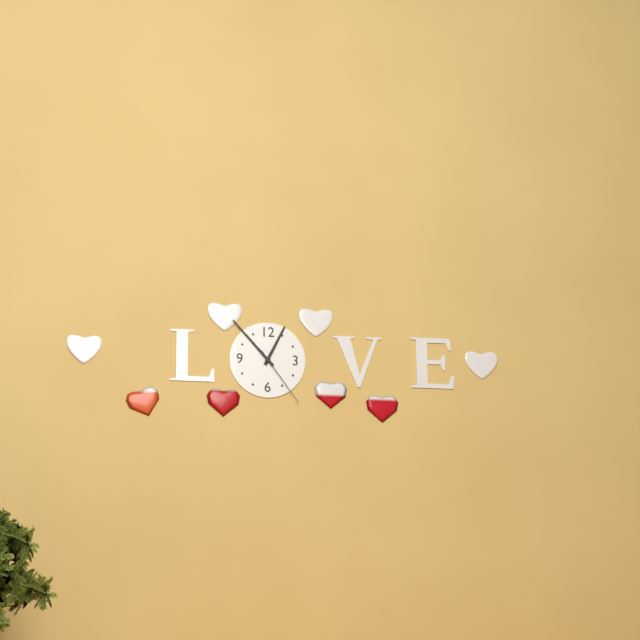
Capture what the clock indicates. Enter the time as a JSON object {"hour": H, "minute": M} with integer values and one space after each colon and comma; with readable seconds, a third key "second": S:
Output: {"hour": 12, "minute": 53, "second": 24}
